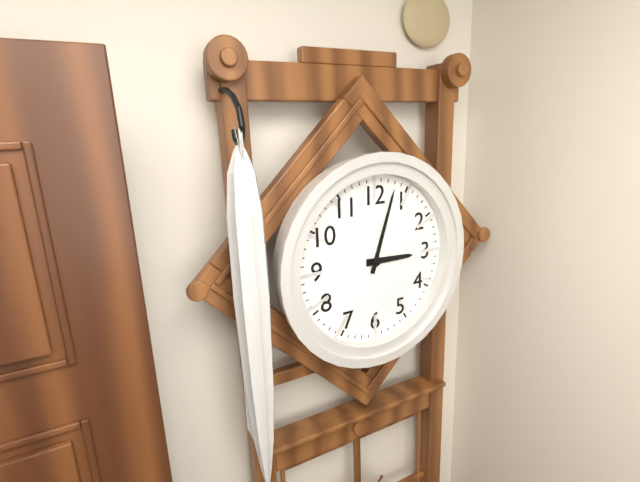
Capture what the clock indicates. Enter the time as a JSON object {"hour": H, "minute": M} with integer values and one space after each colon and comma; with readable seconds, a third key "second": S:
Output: {"hour": 3, "minute": 3}
